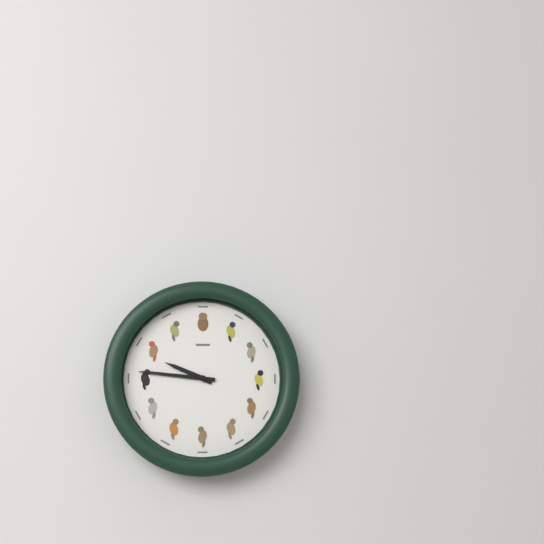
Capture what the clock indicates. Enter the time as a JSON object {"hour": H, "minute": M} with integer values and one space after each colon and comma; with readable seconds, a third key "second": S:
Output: {"hour": 9, "minute": 46}
